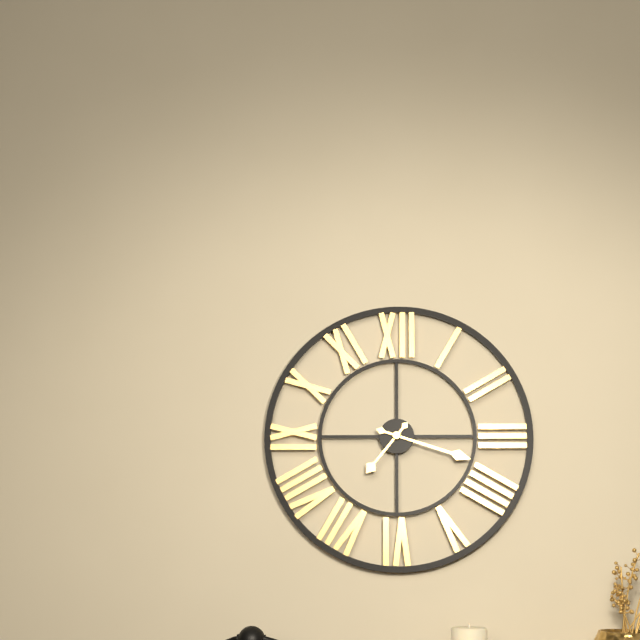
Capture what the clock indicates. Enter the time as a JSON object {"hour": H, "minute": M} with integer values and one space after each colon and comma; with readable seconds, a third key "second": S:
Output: {"hour": 7, "minute": 18}
